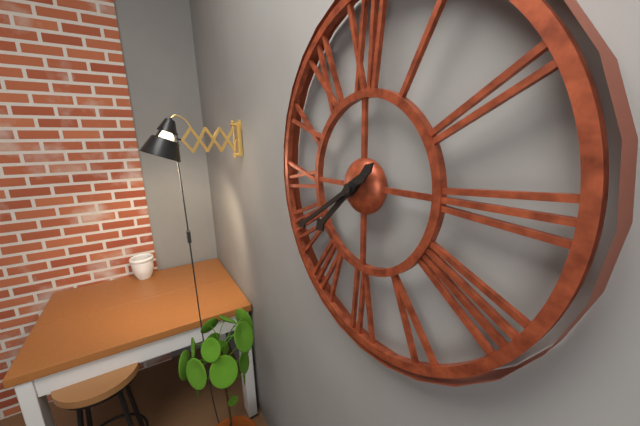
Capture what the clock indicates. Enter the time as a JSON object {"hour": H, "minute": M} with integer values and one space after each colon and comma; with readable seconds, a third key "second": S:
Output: {"hour": 7, "minute": 40}
